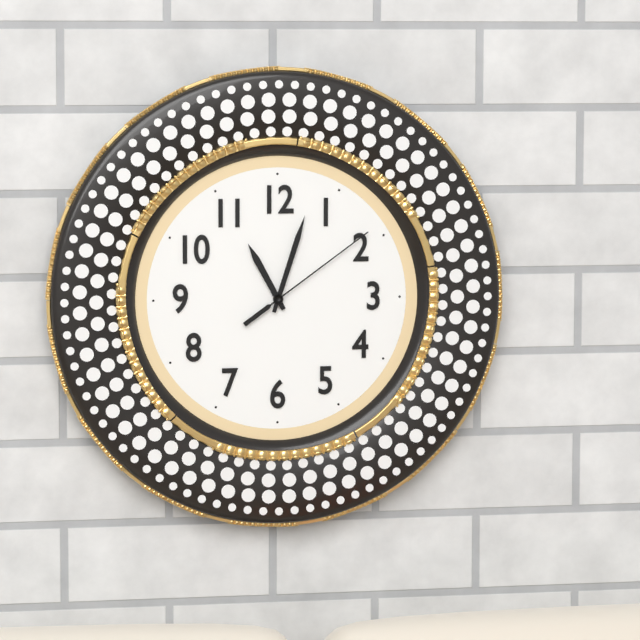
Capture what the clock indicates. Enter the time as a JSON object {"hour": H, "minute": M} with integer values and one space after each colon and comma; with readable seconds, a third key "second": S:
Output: {"hour": 11, "minute": 3, "second": 9}
